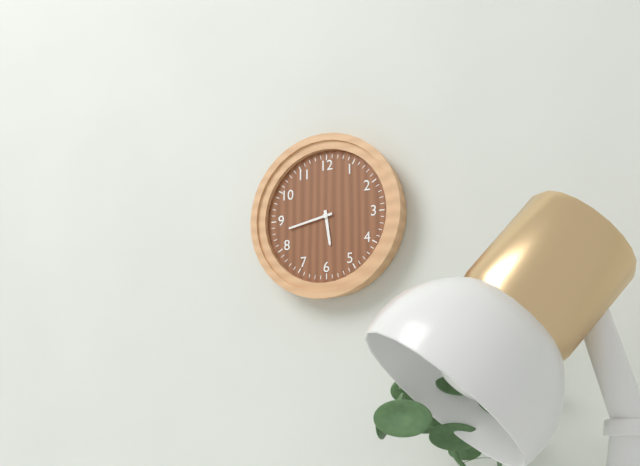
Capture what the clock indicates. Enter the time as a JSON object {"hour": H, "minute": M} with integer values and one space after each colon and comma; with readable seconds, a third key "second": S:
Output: {"hour": 5, "minute": 43}
